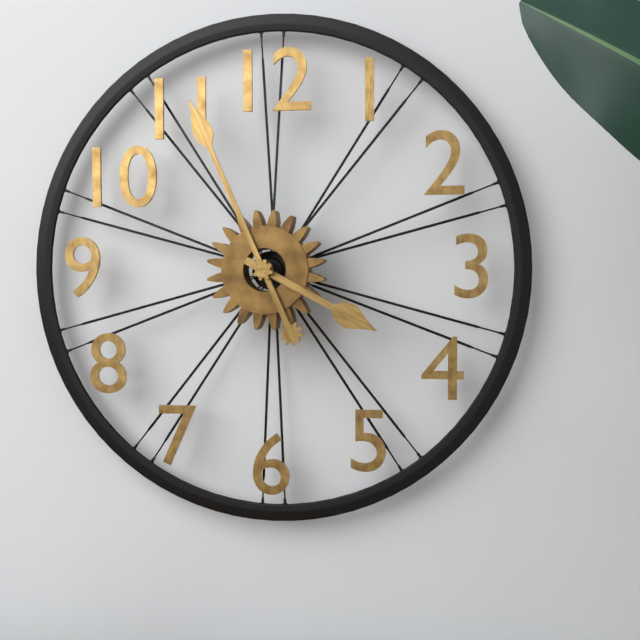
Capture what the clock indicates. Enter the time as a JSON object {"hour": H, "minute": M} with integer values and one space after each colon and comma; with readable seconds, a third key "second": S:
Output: {"hour": 3, "minute": 56}
